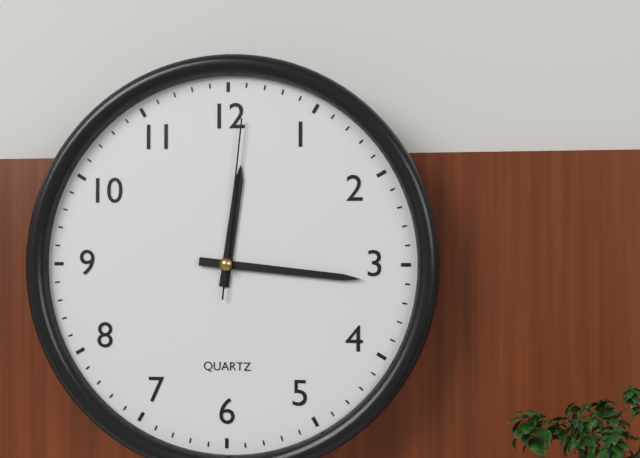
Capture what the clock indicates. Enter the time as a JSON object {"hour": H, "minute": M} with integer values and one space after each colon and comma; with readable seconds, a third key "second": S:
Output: {"hour": 12, "minute": 16, "second": 1}
